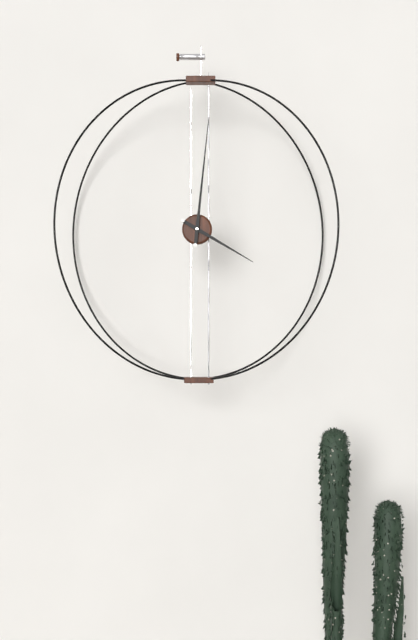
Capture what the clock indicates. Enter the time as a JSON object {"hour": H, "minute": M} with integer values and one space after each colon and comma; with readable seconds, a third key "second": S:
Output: {"hour": 4, "minute": 1}
